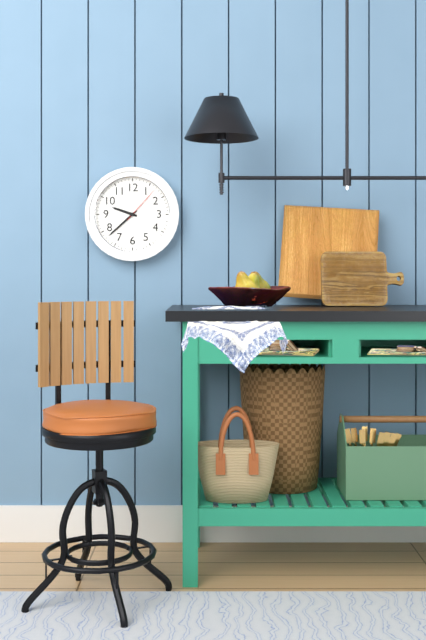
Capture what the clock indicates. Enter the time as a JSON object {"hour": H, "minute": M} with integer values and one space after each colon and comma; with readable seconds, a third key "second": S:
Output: {"hour": 9, "minute": 38}
